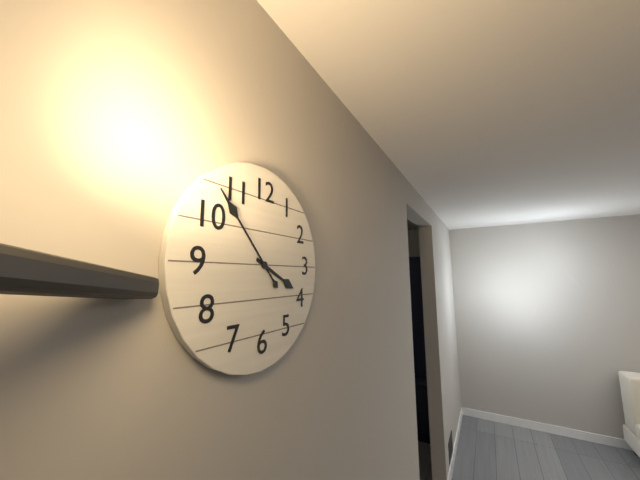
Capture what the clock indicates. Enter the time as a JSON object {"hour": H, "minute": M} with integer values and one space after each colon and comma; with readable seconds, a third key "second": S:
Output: {"hour": 3, "minute": 53}
